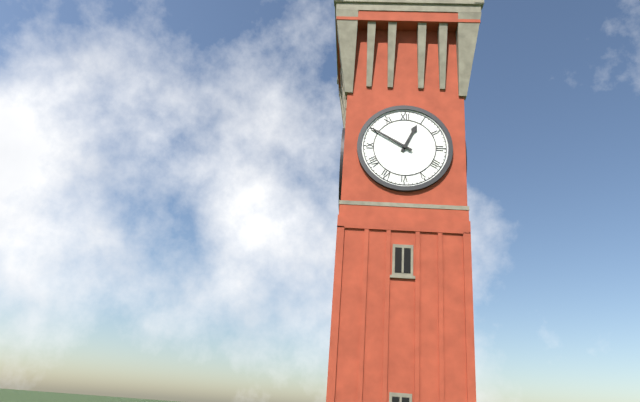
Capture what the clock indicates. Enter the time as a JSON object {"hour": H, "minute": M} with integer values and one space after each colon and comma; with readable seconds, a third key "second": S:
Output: {"hour": 12, "minute": 50}
